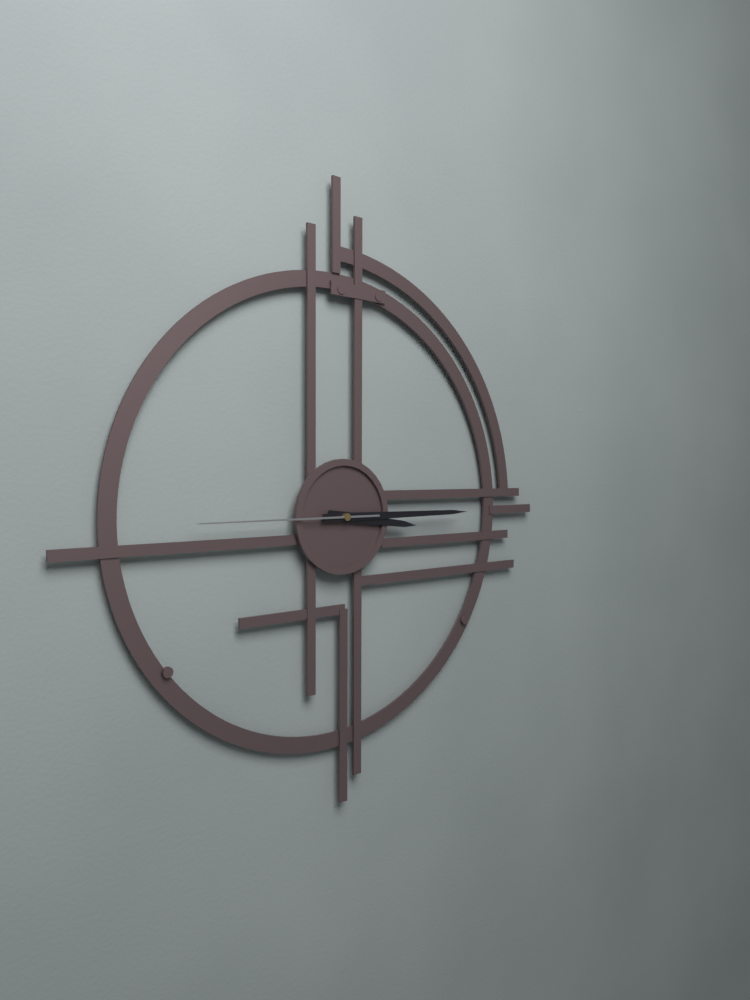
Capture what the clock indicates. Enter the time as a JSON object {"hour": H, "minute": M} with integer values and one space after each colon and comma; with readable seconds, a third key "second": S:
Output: {"hour": 3, "minute": 15, "second": 45}
